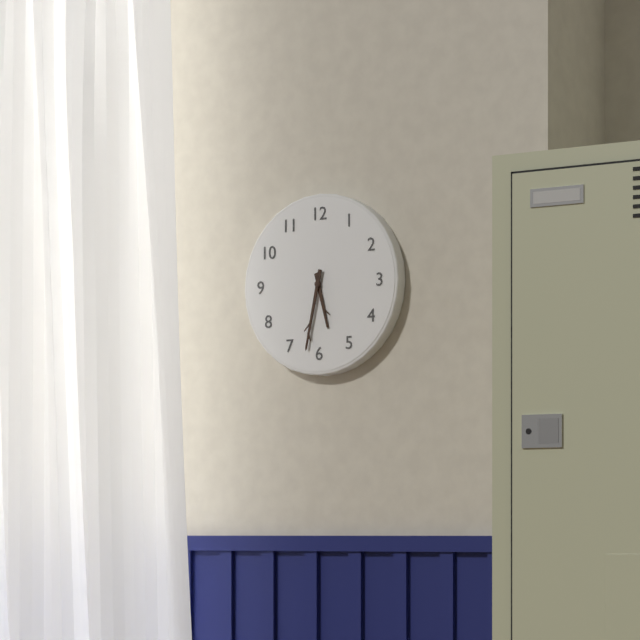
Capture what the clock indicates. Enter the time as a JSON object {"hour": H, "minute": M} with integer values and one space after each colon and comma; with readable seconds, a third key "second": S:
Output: {"hour": 5, "minute": 32}
